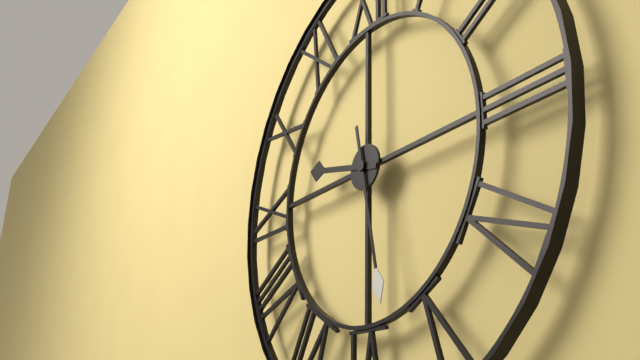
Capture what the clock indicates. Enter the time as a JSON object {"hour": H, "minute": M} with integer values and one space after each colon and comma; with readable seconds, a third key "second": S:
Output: {"hour": 9, "minute": 28}
